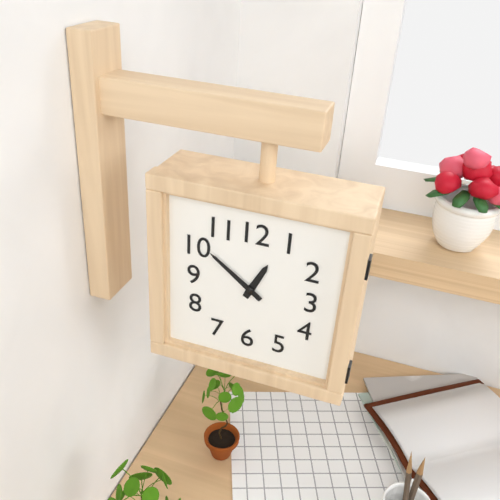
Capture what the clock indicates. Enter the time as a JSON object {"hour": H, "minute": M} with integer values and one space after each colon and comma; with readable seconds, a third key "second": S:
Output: {"hour": 12, "minute": 51}
